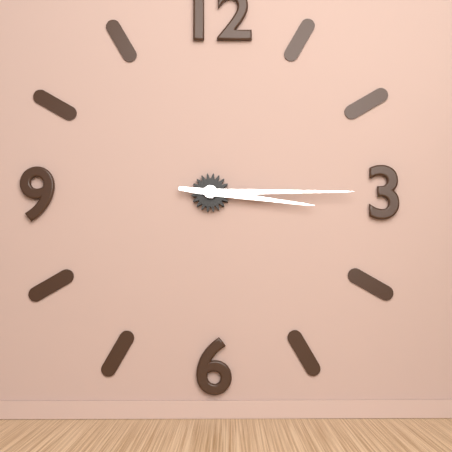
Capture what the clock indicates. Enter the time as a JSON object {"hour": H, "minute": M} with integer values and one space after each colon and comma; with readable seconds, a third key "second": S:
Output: {"hour": 3, "minute": 15}
